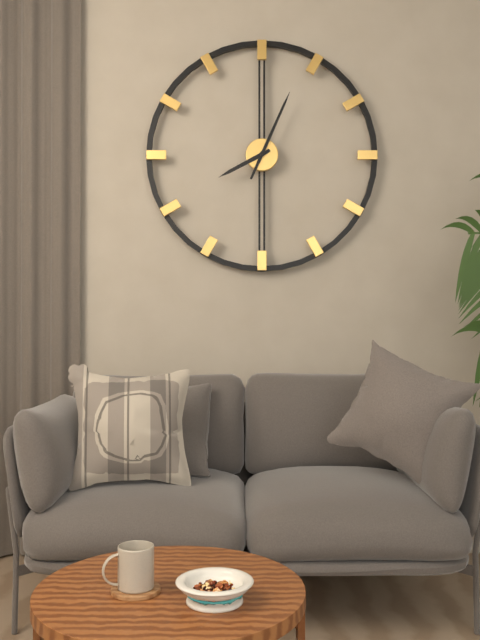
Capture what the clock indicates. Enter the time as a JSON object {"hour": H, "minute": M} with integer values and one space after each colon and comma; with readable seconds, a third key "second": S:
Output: {"hour": 8, "minute": 4}
